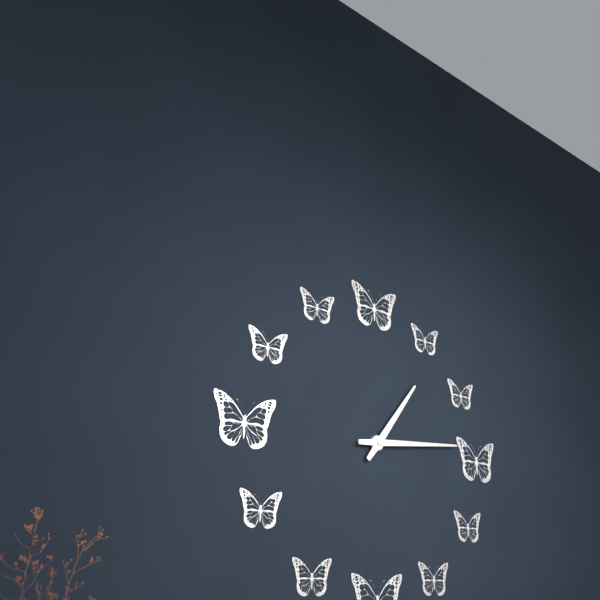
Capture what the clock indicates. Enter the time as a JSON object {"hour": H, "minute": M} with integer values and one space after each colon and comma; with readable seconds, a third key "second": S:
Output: {"hour": 1, "minute": 14}
